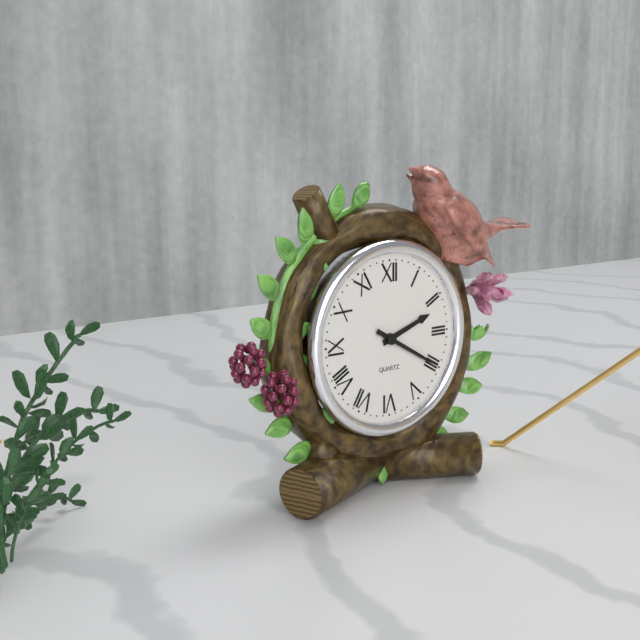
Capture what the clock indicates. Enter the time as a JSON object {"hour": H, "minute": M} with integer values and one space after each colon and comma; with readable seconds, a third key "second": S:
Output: {"hour": 2, "minute": 20}
